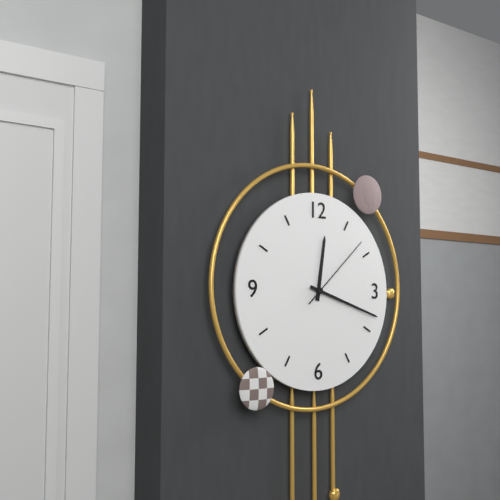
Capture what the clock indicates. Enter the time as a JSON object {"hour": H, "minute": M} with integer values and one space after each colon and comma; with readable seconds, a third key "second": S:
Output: {"hour": 12, "minute": 18, "second": 8}
